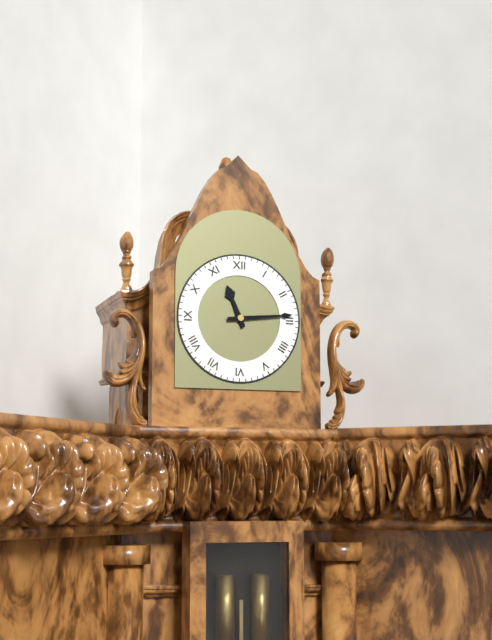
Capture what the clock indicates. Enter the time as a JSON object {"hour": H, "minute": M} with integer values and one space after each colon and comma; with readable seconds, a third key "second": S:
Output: {"hour": 11, "minute": 14}
